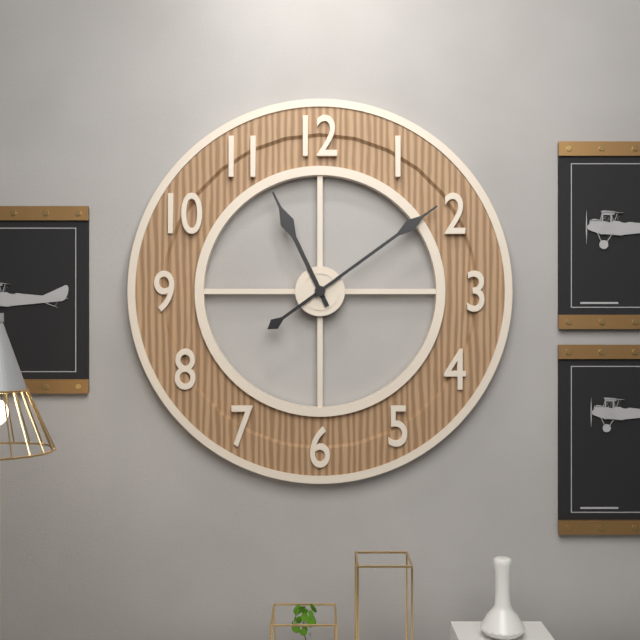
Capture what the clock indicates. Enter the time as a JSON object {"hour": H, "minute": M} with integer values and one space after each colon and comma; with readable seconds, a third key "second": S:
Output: {"hour": 11, "minute": 9}
